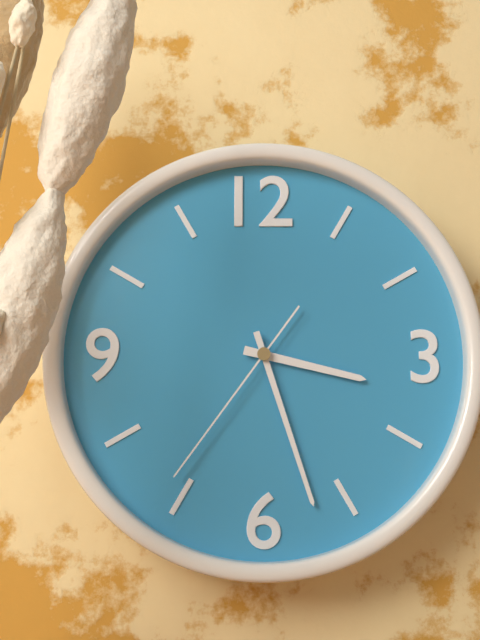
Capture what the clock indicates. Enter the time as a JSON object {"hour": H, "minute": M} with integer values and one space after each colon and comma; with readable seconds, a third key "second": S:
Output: {"hour": 3, "minute": 27, "second": 36}
